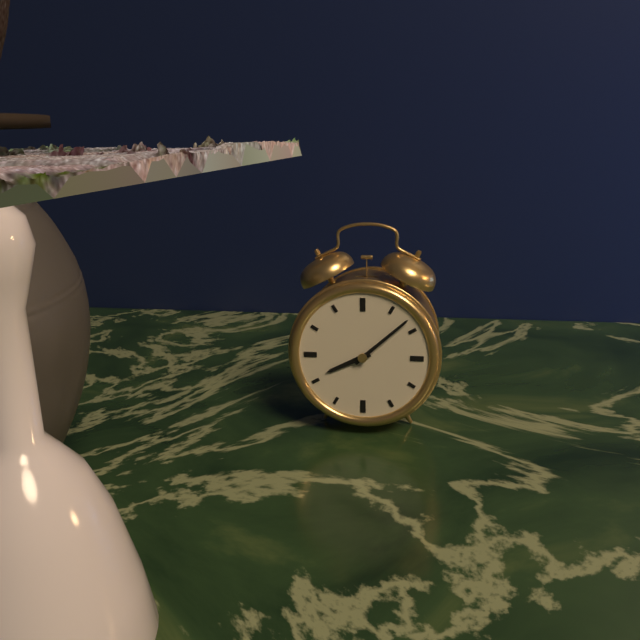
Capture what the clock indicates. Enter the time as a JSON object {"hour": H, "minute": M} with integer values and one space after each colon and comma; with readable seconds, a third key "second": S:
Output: {"hour": 8, "minute": 8}
